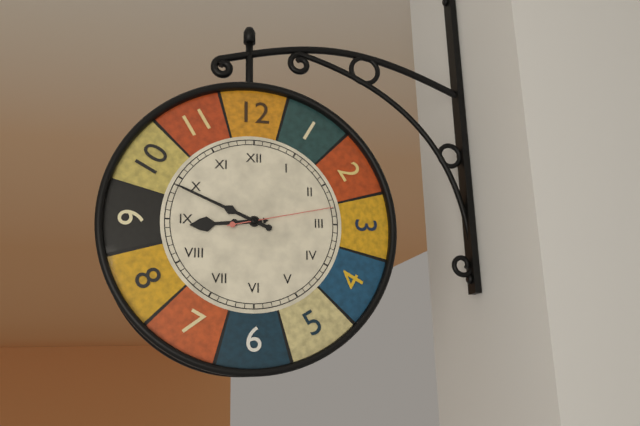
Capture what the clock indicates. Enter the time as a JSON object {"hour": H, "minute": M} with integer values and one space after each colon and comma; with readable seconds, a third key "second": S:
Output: {"hour": 8, "minute": 49, "second": 13}
